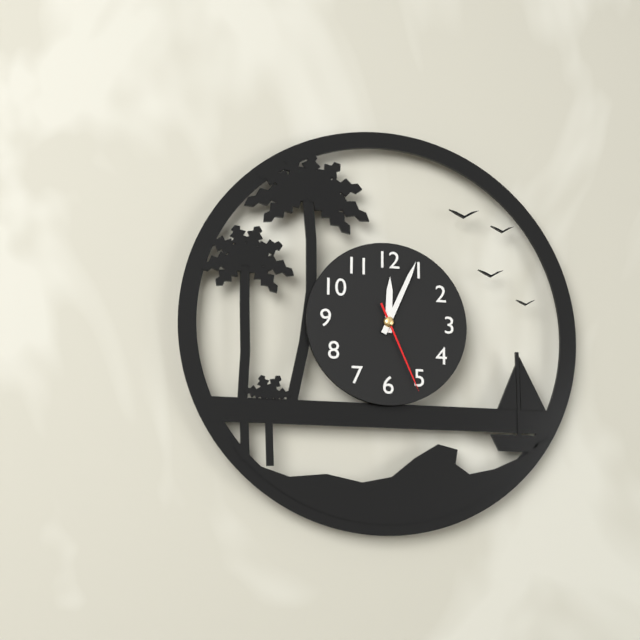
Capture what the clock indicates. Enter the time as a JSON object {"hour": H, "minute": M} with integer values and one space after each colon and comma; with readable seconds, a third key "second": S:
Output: {"hour": 12, "minute": 4, "second": 26}
